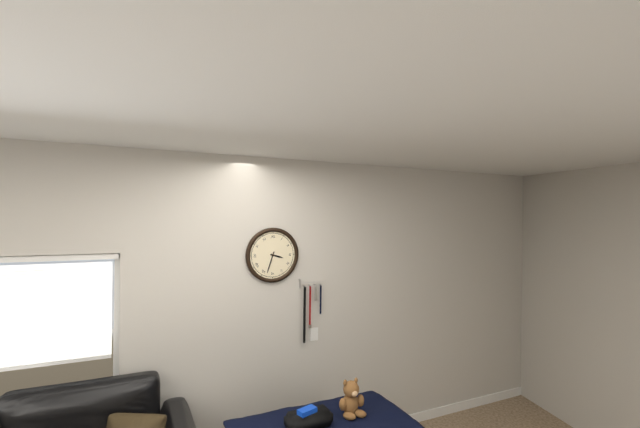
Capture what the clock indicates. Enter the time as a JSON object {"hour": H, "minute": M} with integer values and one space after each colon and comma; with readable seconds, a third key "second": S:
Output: {"hour": 3, "minute": 33}
